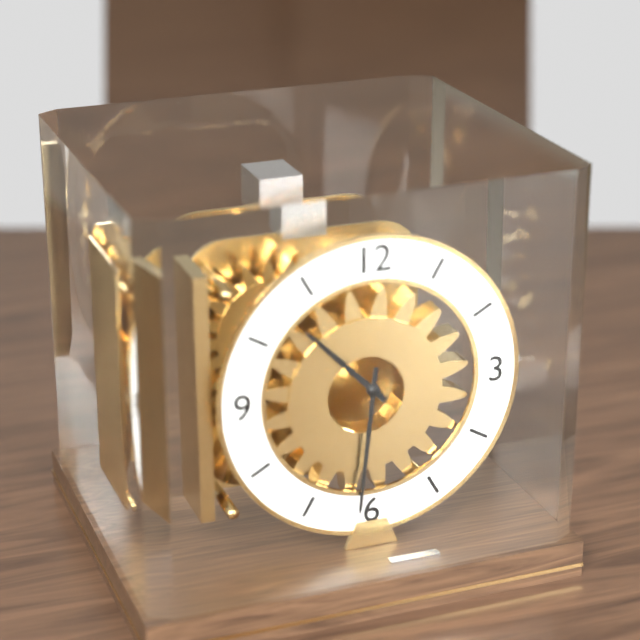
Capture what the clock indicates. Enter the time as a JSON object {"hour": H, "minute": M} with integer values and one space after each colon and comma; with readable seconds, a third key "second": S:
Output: {"hour": 10, "minute": 31}
